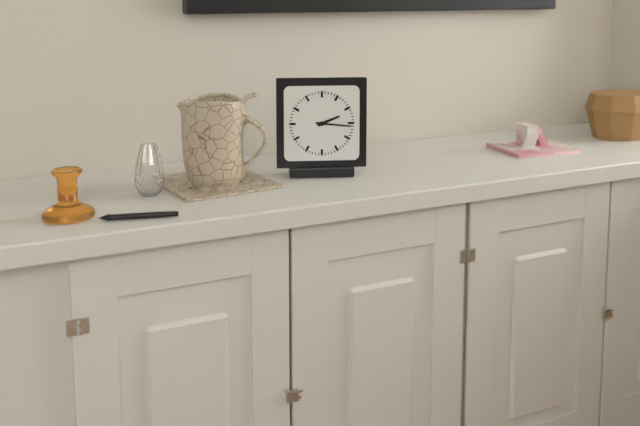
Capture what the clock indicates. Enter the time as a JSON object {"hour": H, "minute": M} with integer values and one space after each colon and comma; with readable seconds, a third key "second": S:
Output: {"hour": 2, "minute": 16}
